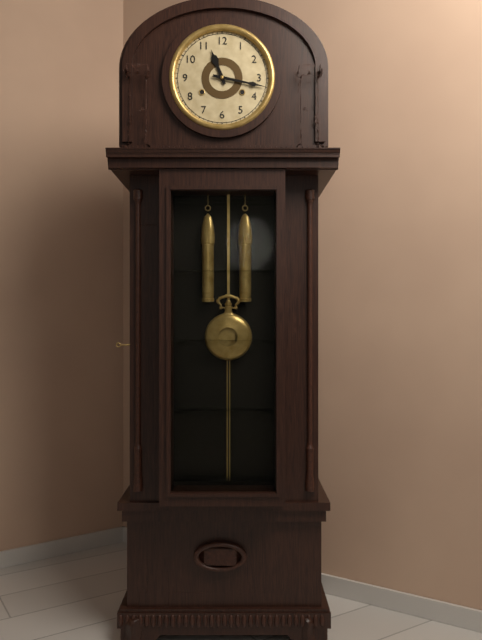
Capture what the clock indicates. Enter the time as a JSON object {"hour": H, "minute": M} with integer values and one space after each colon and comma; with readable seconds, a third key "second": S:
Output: {"hour": 11, "minute": 17}
